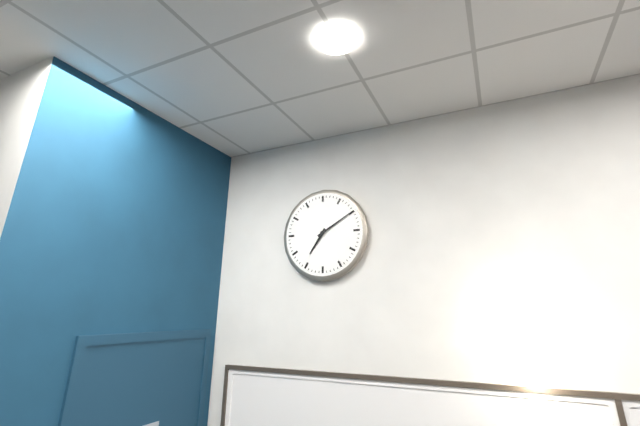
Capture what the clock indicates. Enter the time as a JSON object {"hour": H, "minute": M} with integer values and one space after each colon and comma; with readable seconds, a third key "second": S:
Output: {"hour": 7, "minute": 10}
